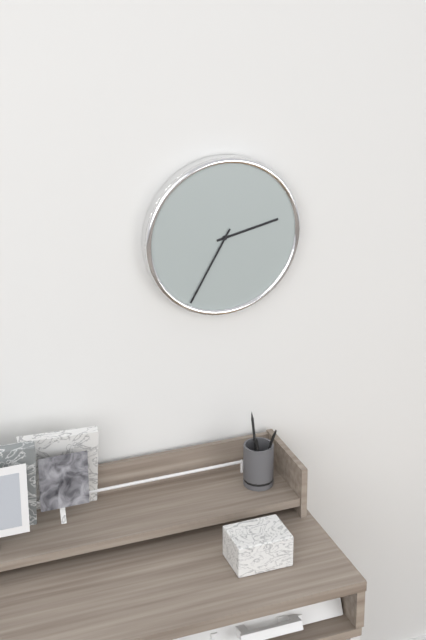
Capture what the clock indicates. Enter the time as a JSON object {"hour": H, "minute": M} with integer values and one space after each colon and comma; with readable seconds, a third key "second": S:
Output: {"hour": 2, "minute": 35}
